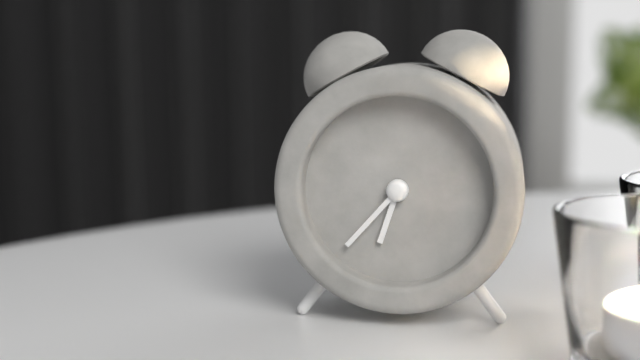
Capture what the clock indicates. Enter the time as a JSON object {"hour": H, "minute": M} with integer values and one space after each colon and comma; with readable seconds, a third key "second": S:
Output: {"hour": 6, "minute": 37}
